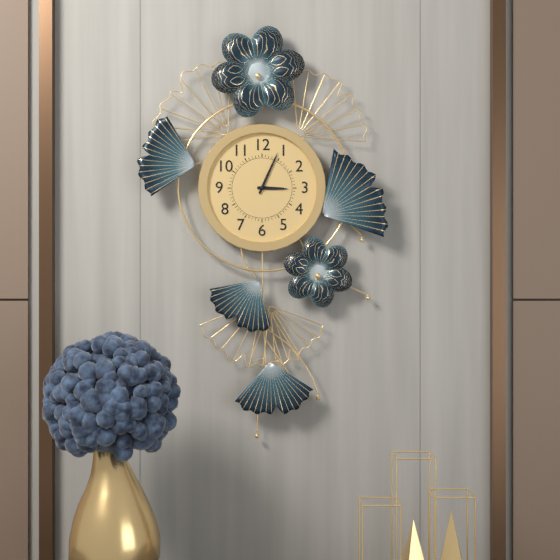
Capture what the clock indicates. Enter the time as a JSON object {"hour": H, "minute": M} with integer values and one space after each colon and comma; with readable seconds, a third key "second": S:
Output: {"hour": 3, "minute": 4}
